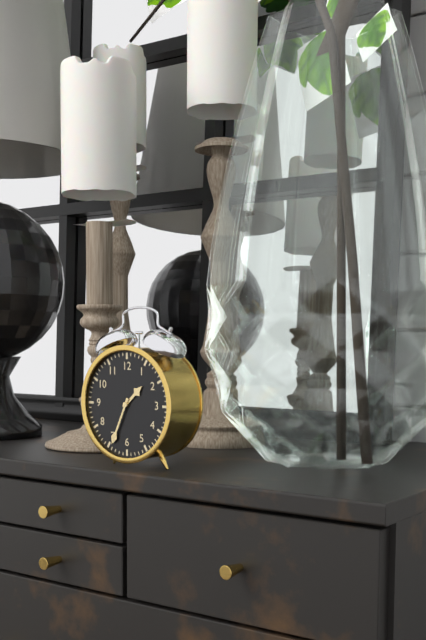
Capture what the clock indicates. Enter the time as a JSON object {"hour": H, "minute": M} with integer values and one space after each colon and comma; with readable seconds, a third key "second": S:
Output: {"hour": 1, "minute": 34}
